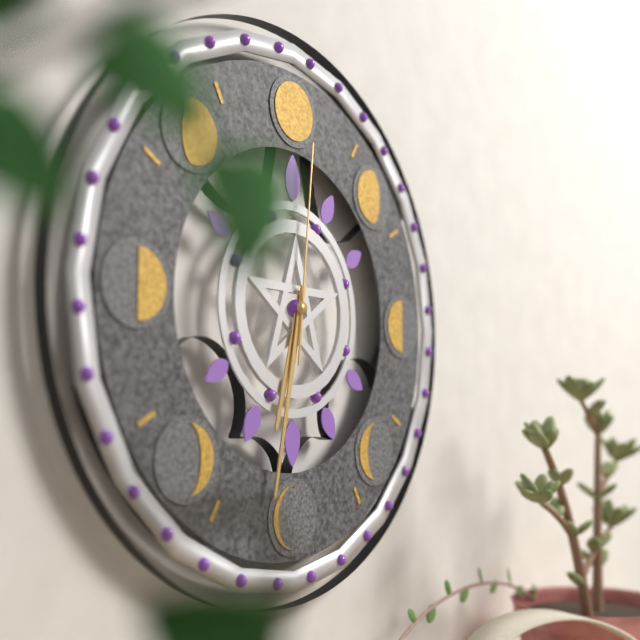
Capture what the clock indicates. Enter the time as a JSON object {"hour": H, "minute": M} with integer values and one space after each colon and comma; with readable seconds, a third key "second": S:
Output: {"hour": 6, "minute": 32, "second": 1}
